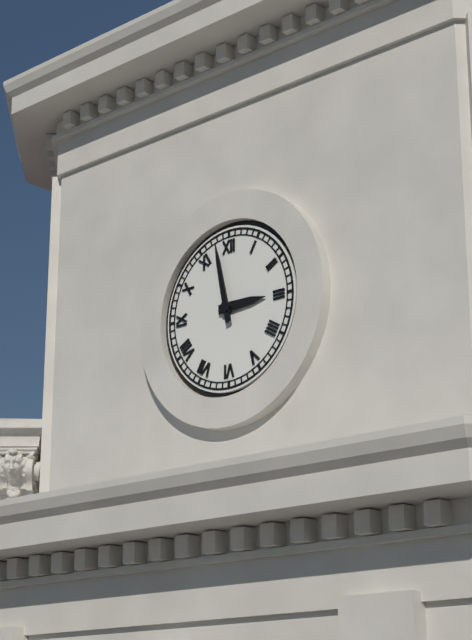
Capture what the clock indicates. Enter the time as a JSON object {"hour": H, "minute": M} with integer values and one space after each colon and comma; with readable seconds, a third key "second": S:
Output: {"hour": 2, "minute": 58}
